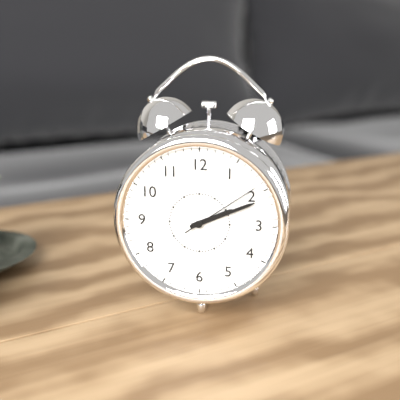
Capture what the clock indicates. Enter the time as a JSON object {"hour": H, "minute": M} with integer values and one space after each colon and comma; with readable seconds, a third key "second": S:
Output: {"hour": 2, "minute": 11, "second": 9}
